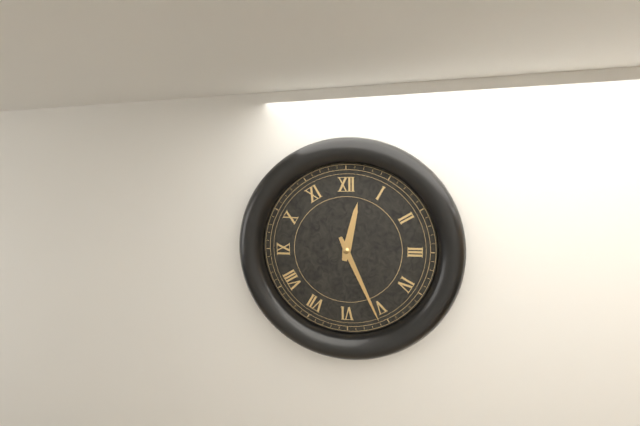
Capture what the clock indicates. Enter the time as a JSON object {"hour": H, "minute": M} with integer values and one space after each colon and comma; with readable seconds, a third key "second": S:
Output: {"hour": 12, "minute": 26}
